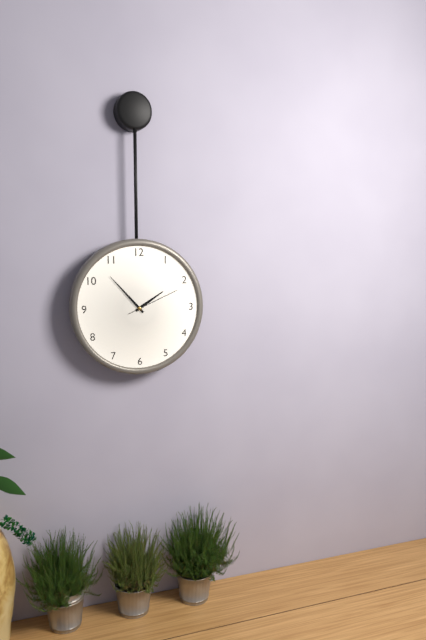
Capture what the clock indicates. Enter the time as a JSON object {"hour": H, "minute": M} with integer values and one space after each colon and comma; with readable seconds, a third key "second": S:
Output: {"hour": 1, "minute": 53, "second": 11}
